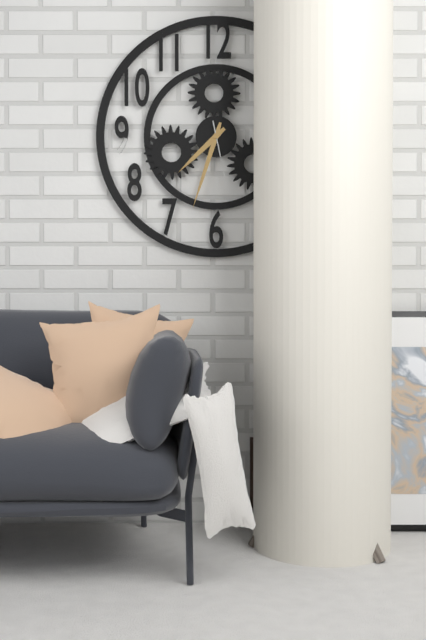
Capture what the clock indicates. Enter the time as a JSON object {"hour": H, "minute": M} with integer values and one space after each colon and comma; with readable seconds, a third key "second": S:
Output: {"hour": 7, "minute": 33, "second": 28}
